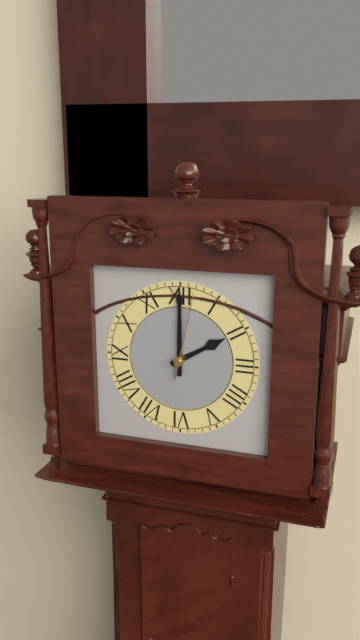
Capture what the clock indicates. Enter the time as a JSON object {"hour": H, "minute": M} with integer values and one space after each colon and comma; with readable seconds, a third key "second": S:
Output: {"hour": 2, "minute": 0, "second": 2}
